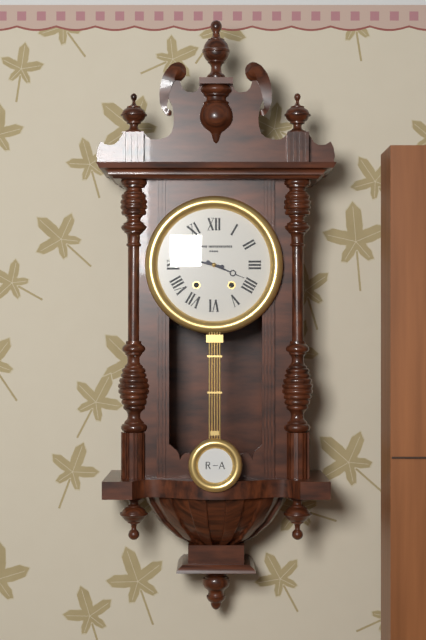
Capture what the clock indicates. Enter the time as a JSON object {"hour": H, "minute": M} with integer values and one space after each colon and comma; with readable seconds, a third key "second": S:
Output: {"hour": 3, "minute": 47}
